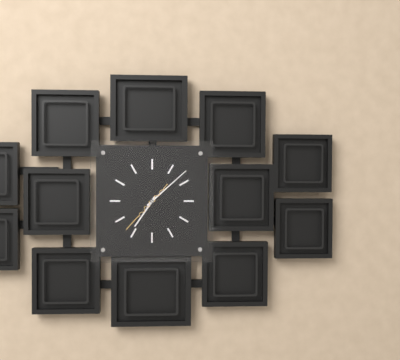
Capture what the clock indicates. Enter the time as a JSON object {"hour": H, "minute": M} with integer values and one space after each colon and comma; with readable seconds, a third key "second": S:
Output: {"hour": 7, "minute": 8}
